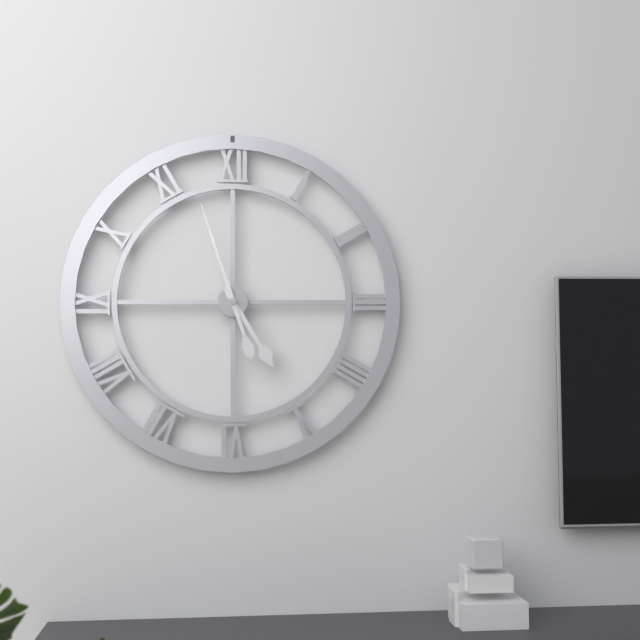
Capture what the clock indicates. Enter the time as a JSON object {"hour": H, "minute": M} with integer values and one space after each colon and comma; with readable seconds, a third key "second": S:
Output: {"hour": 4, "minute": 57}
